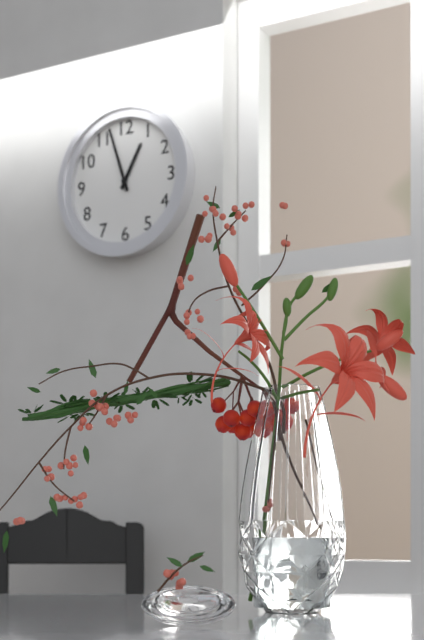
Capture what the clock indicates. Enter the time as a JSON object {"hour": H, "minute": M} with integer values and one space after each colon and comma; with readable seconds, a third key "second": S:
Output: {"hour": 12, "minute": 57}
